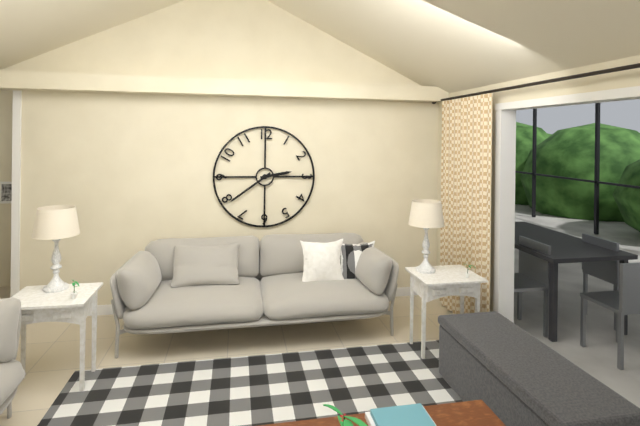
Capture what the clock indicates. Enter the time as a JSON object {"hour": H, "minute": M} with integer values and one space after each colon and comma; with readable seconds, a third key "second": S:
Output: {"hour": 2, "minute": 39}
